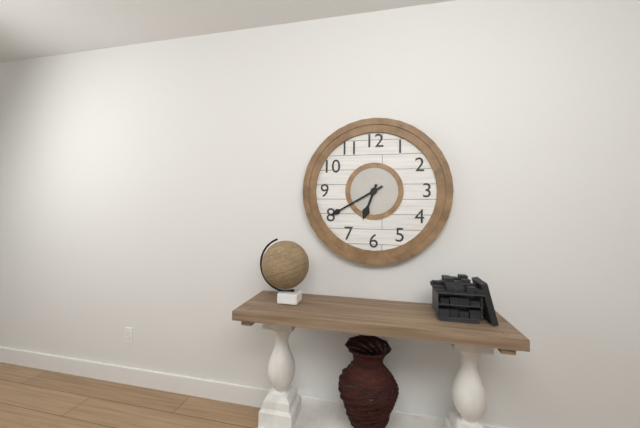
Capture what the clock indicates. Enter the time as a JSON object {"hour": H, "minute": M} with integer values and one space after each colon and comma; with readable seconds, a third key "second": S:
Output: {"hour": 6, "minute": 40}
